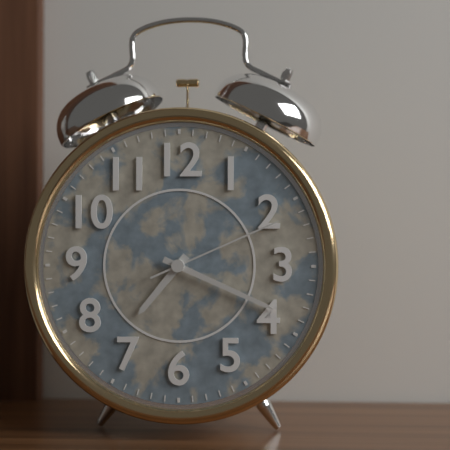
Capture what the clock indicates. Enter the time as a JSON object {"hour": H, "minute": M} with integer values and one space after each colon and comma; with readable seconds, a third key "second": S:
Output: {"hour": 7, "minute": 19, "second": 11}
